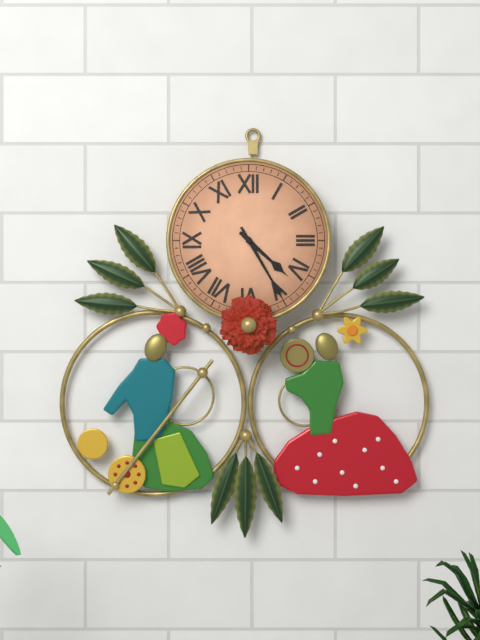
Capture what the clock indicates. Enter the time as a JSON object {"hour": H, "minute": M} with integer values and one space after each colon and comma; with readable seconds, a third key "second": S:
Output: {"hour": 4, "minute": 25}
